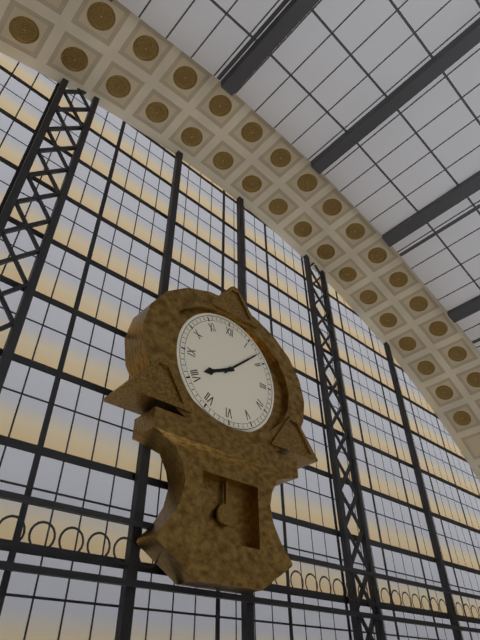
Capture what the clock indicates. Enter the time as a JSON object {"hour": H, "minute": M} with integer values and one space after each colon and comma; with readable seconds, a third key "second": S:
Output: {"hour": 8, "minute": 8}
